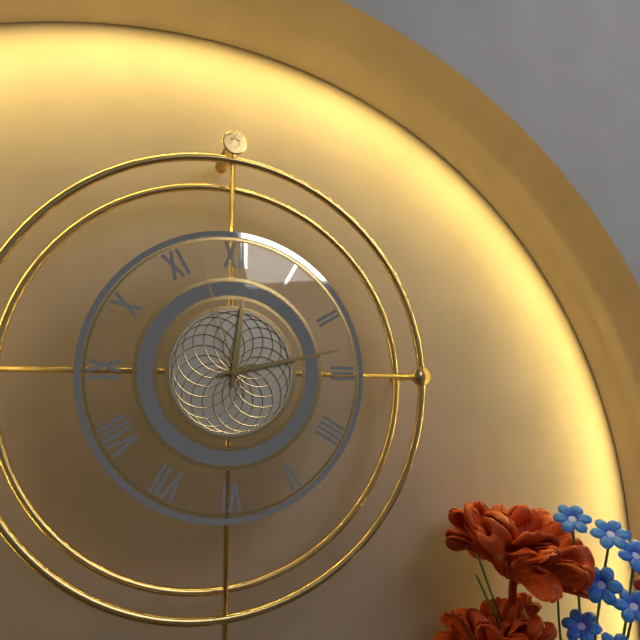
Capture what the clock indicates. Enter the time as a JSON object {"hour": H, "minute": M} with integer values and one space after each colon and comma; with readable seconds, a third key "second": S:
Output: {"hour": 12, "minute": 13, "second": 57}
